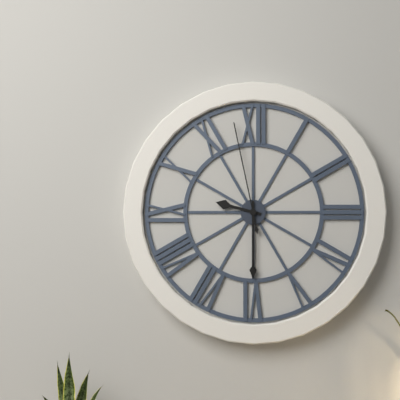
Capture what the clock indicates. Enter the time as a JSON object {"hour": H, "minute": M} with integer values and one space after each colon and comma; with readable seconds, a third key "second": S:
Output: {"hour": 9, "minute": 30, "second": 58}
